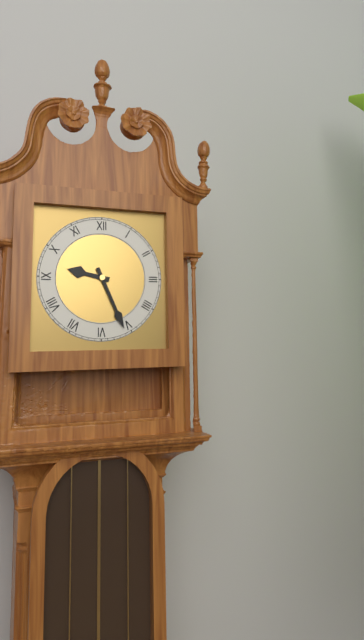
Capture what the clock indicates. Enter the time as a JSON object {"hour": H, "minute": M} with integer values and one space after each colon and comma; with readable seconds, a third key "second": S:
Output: {"hour": 9, "minute": 26}
